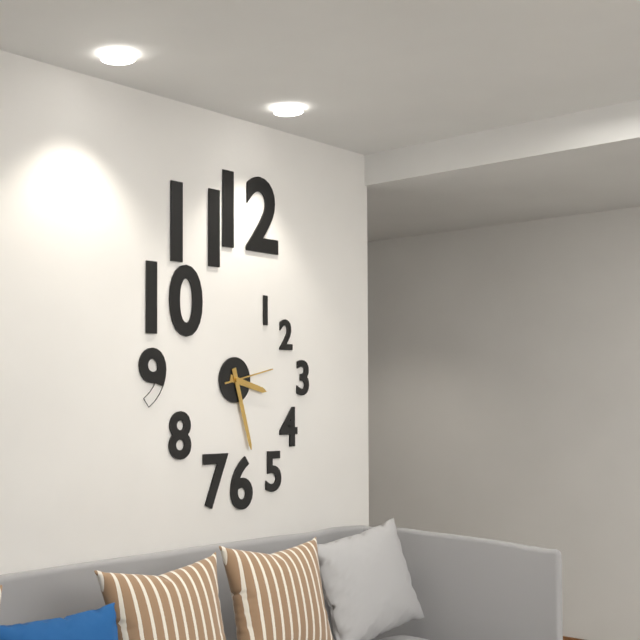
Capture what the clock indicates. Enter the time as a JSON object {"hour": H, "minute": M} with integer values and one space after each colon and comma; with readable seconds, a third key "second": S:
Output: {"hour": 3, "minute": 27, "second": 13}
